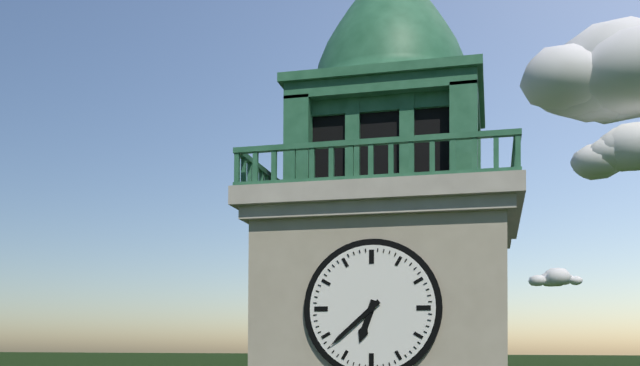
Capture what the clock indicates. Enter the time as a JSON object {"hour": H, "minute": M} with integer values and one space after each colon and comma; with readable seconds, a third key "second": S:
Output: {"hour": 6, "minute": 38}
